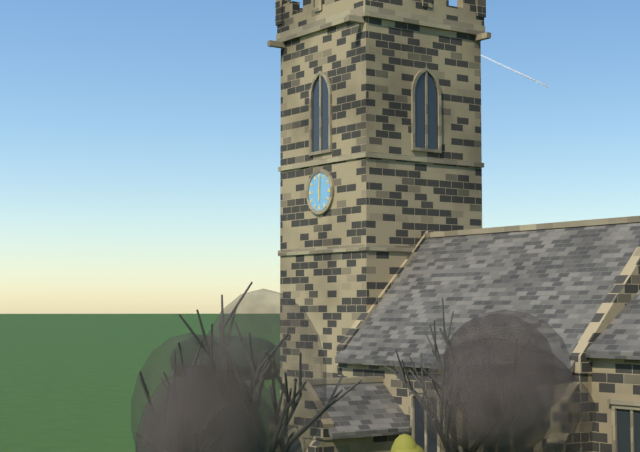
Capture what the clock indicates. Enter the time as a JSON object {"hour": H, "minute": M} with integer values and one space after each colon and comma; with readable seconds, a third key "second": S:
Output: {"hour": 6, "minute": 1}
